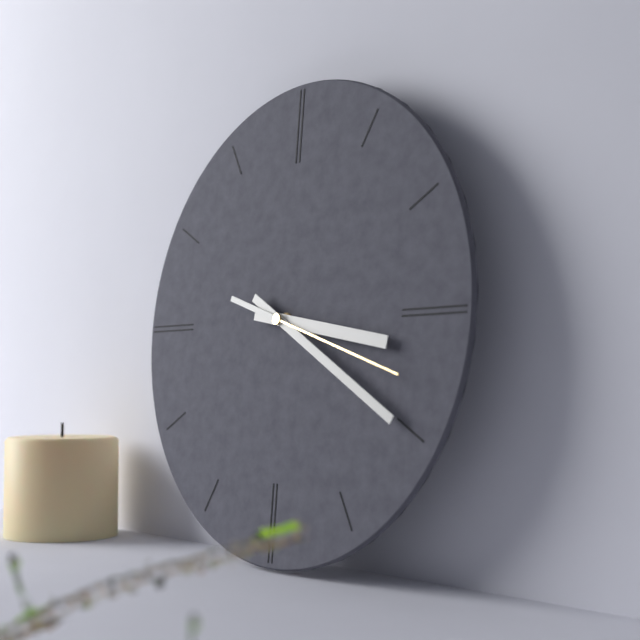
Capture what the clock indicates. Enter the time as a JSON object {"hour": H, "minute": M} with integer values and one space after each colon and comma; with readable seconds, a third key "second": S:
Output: {"hour": 3, "minute": 20, "second": 18}
